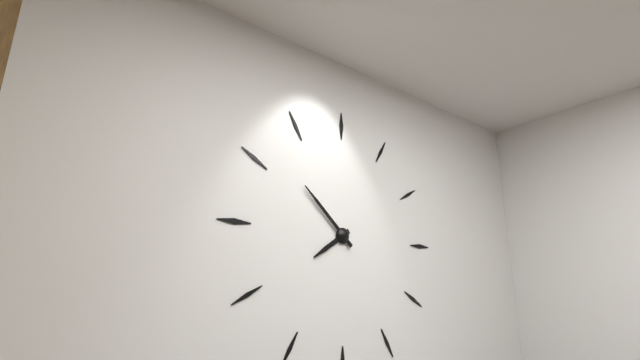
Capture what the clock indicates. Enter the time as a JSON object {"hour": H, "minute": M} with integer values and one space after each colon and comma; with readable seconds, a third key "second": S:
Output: {"hour": 7, "minute": 52}
